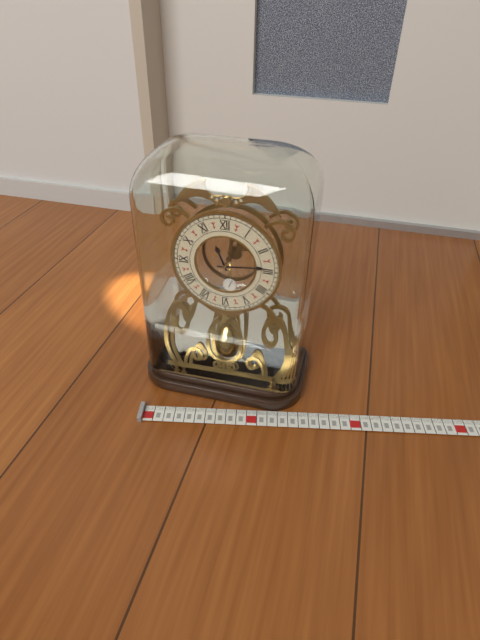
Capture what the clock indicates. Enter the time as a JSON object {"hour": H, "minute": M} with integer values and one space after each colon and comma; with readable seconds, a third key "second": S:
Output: {"hour": 11, "minute": 14}
